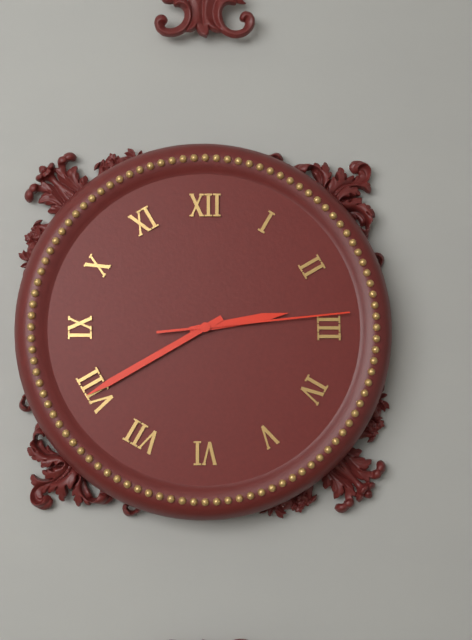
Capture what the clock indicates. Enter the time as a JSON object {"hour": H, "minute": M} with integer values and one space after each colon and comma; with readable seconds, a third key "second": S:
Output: {"hour": 2, "minute": 40, "second": 14}
